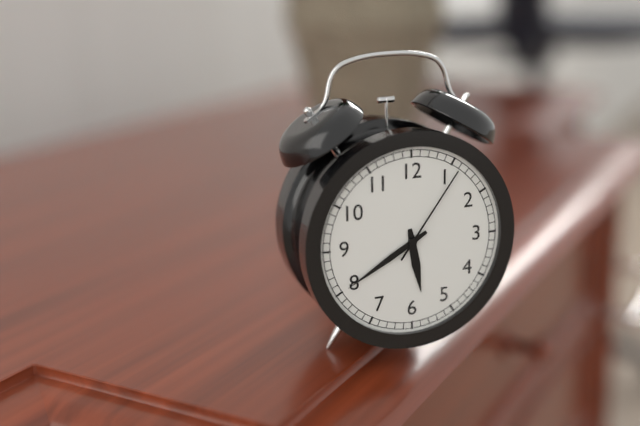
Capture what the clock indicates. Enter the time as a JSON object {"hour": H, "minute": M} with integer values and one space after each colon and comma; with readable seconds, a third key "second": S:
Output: {"hour": 5, "minute": 40, "second": 6}
